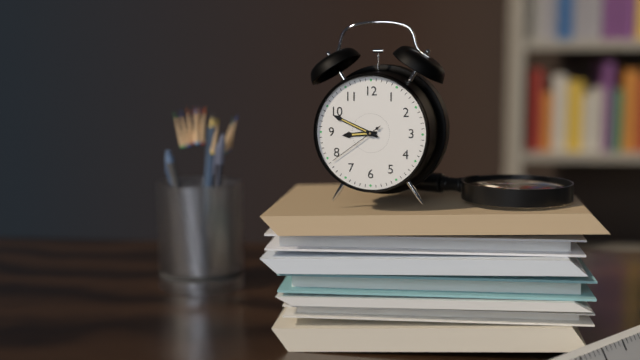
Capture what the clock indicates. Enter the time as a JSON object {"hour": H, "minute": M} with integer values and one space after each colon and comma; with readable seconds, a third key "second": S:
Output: {"hour": 8, "minute": 49, "second": 39}
